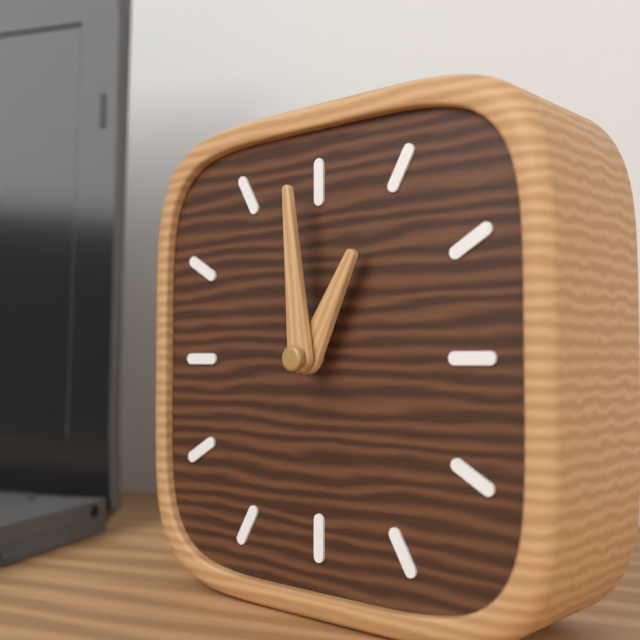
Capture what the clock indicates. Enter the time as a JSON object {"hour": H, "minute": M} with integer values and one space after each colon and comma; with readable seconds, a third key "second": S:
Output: {"hour": 12, "minute": 59}
